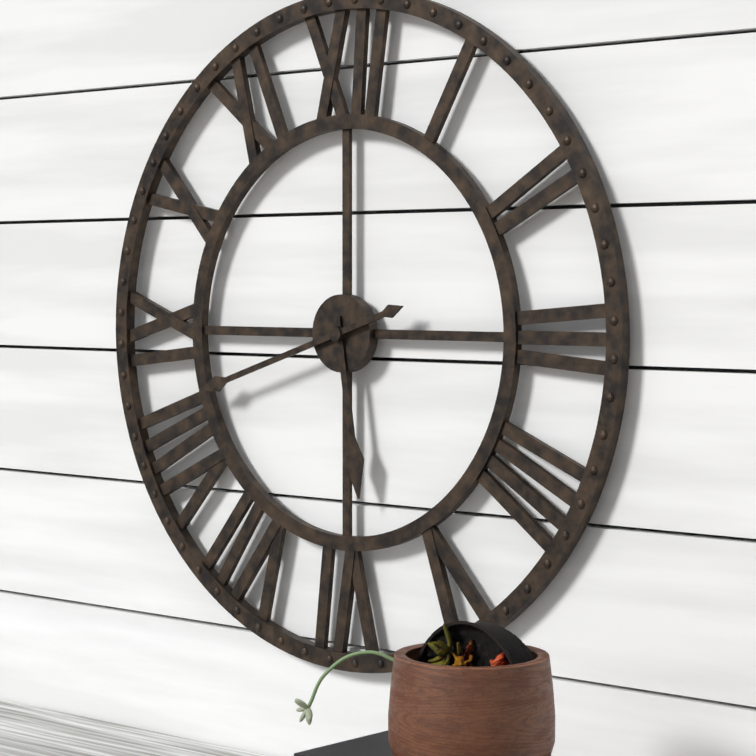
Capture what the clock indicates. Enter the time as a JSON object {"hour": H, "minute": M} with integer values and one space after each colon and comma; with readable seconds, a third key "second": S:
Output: {"hour": 5, "minute": 42}
